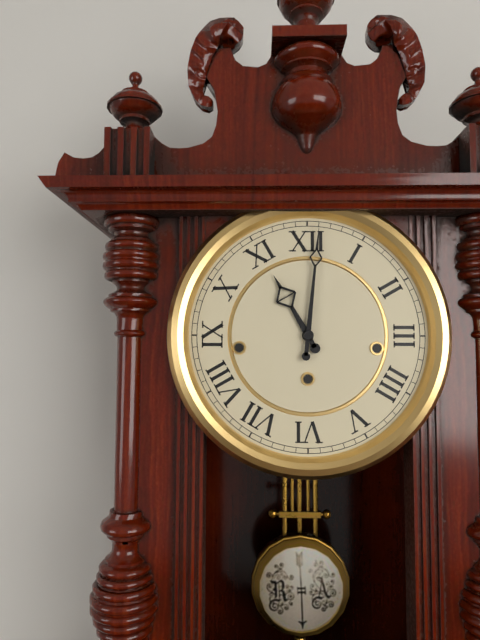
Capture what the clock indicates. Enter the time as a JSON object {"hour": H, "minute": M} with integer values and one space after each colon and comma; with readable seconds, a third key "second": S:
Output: {"hour": 11, "minute": 1}
